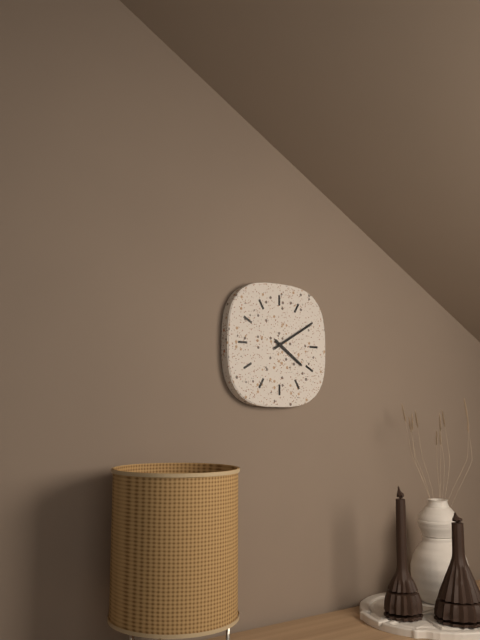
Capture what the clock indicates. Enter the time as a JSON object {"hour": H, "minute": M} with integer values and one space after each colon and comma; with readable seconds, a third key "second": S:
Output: {"hour": 4, "minute": 10}
